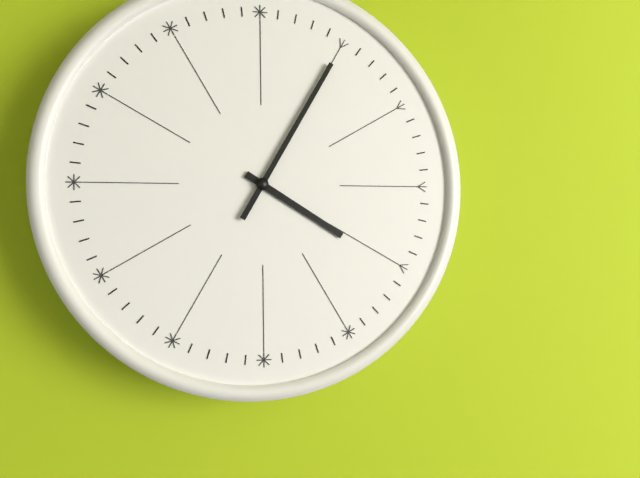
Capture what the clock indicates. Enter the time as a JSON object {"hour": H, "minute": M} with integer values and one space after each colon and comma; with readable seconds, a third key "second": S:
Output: {"hour": 4, "minute": 5}
